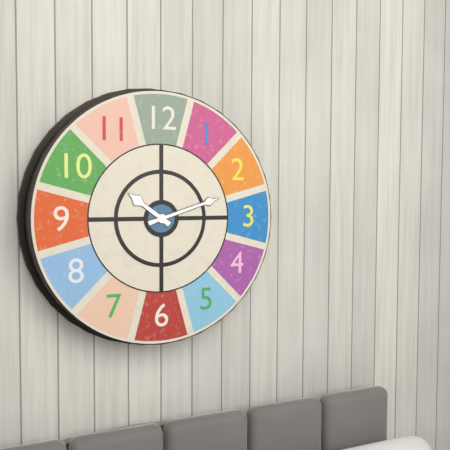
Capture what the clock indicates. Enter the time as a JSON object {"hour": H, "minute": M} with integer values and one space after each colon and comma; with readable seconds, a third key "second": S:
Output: {"hour": 10, "minute": 12}
